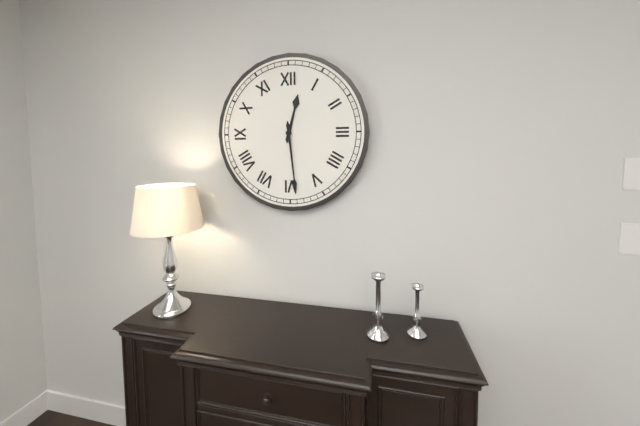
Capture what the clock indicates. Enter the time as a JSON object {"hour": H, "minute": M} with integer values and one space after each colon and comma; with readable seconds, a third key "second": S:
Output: {"hour": 12, "minute": 29}
